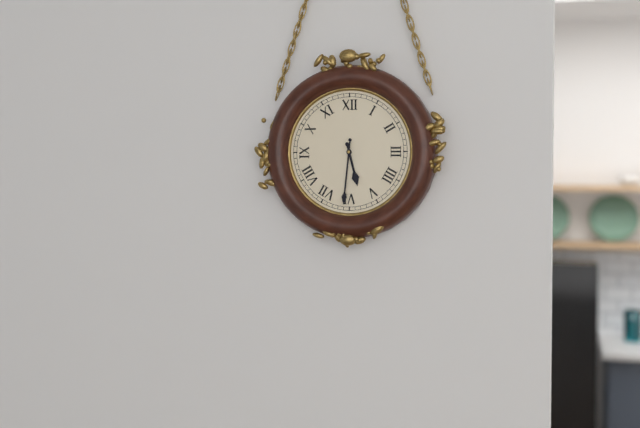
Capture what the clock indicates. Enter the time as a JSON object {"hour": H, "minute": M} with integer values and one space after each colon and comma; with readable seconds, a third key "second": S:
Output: {"hour": 5, "minute": 31}
